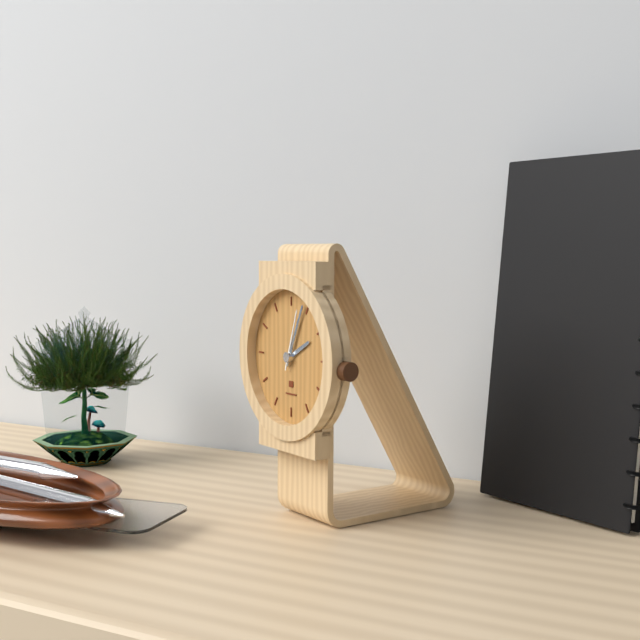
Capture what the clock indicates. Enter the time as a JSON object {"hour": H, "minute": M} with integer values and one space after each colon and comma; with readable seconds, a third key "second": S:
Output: {"hour": 2, "minute": 4, "second": 3}
